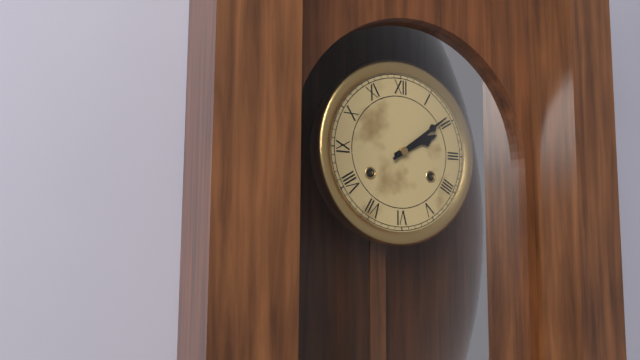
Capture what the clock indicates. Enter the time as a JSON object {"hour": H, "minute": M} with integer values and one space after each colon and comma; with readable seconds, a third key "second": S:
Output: {"hour": 2, "minute": 9}
